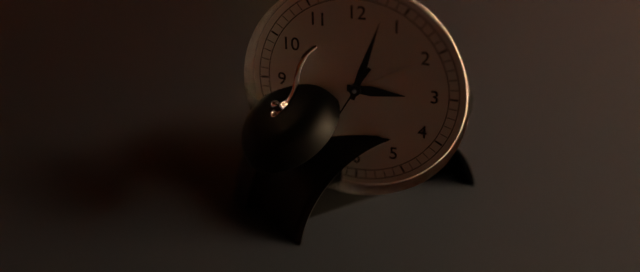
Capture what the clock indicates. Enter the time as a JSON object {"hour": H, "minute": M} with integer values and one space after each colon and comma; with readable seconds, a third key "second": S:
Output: {"hour": 3, "minute": 3}
